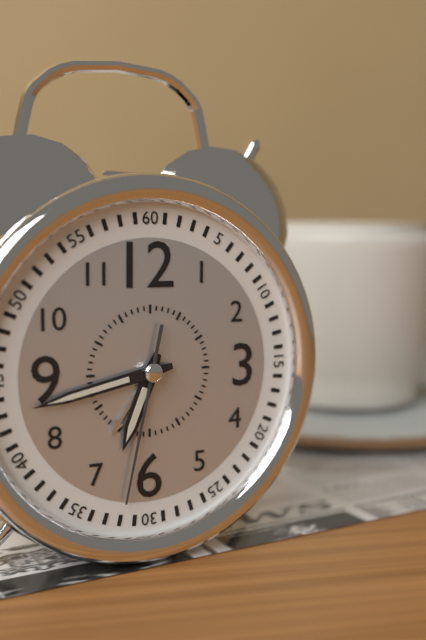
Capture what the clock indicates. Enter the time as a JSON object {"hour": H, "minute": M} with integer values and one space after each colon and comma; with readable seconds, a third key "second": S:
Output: {"hour": 6, "minute": 43, "second": 32}
